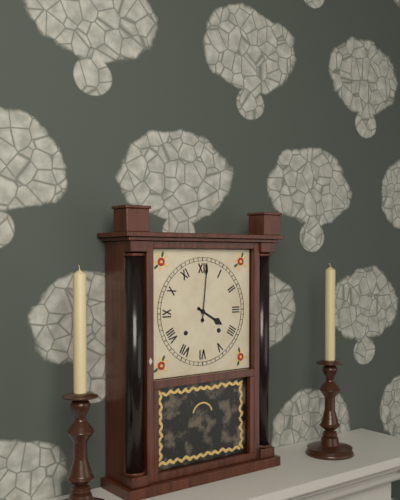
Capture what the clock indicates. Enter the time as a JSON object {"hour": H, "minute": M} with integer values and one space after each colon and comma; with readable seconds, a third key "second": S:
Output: {"hour": 4, "minute": 1}
